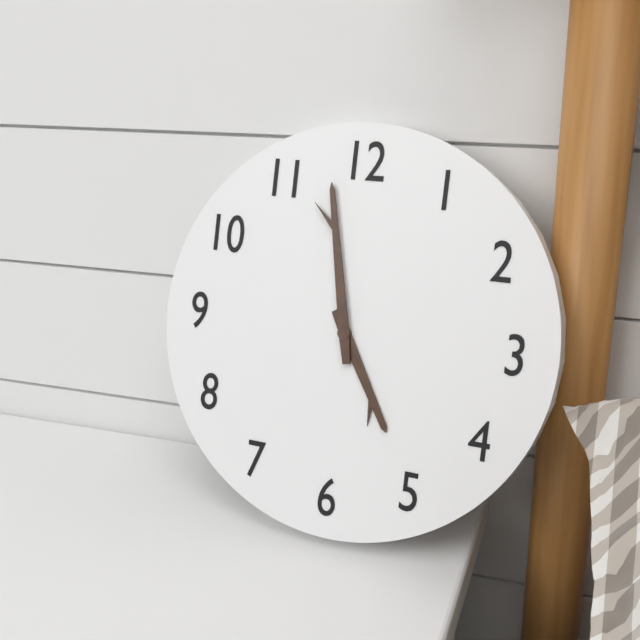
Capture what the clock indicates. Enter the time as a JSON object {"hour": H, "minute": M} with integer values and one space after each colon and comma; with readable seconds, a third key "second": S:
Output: {"hour": 4, "minute": 58}
